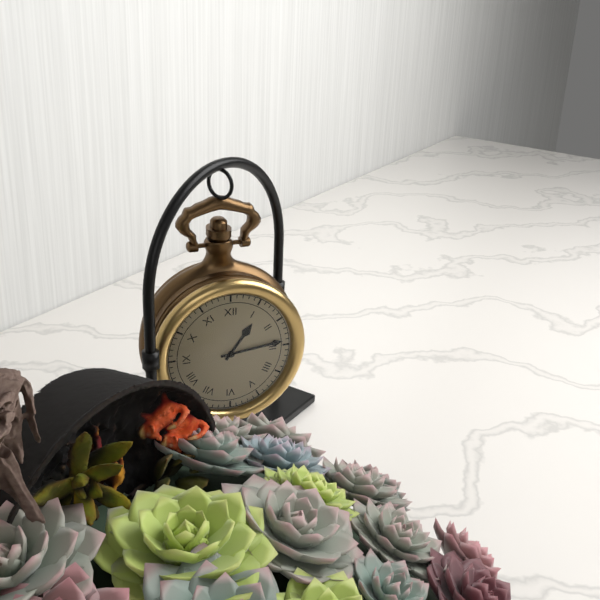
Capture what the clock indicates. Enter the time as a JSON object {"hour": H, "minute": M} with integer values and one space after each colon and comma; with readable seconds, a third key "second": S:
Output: {"hour": 1, "minute": 14}
